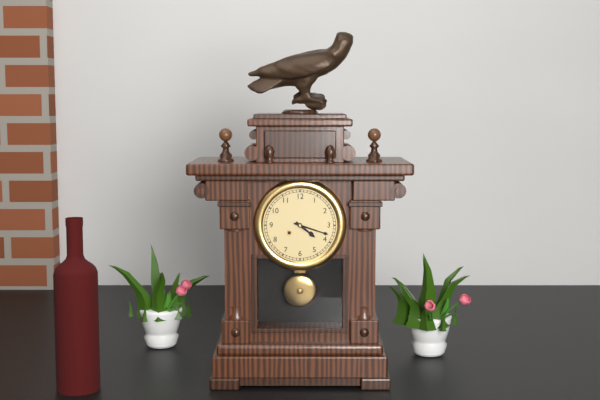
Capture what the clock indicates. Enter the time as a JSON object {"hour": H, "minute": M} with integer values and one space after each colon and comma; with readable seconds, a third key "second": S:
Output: {"hour": 4, "minute": 18}
